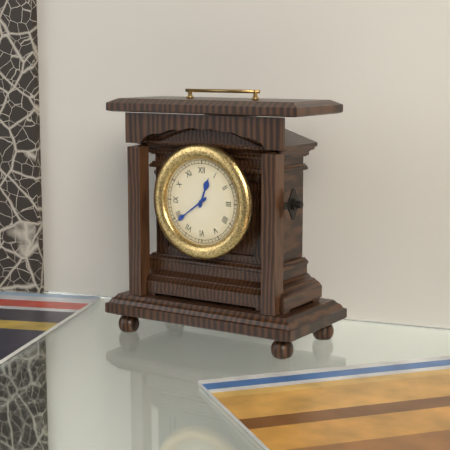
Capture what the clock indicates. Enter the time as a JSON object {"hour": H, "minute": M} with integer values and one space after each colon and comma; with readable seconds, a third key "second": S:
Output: {"hour": 12, "minute": 39}
